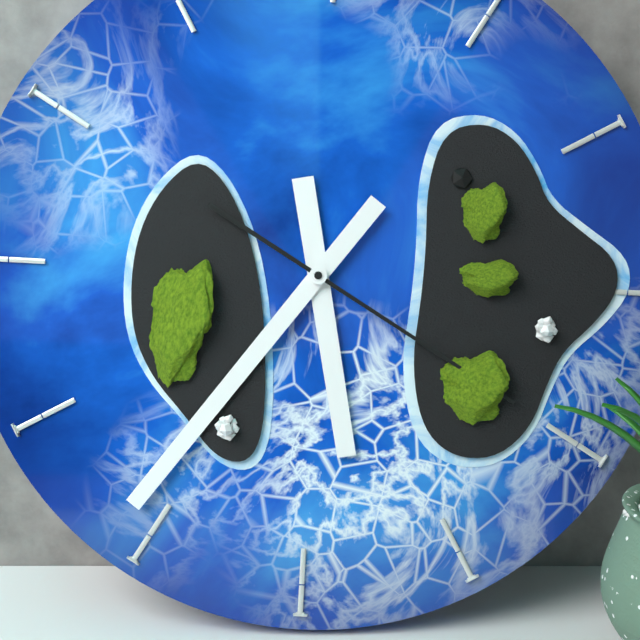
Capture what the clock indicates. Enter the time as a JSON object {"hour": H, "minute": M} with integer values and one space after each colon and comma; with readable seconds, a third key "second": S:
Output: {"hour": 5, "minute": 36, "second": 20}
